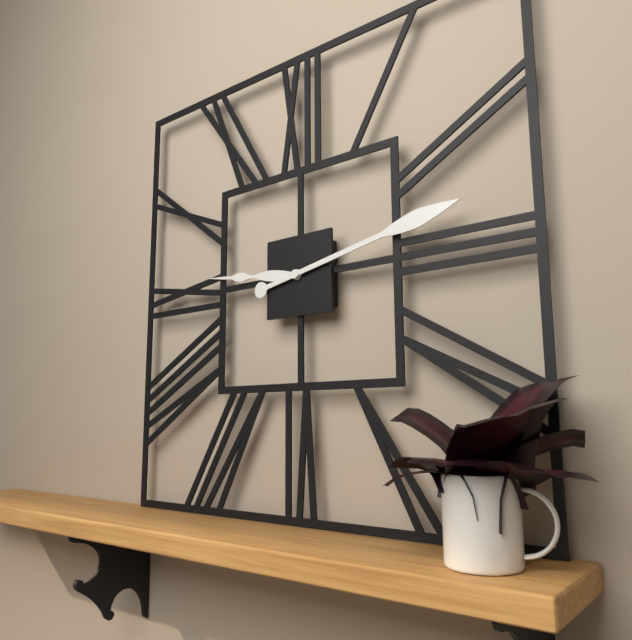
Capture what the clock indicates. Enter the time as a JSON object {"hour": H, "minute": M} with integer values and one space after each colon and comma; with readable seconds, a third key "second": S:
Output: {"hour": 9, "minute": 13}
